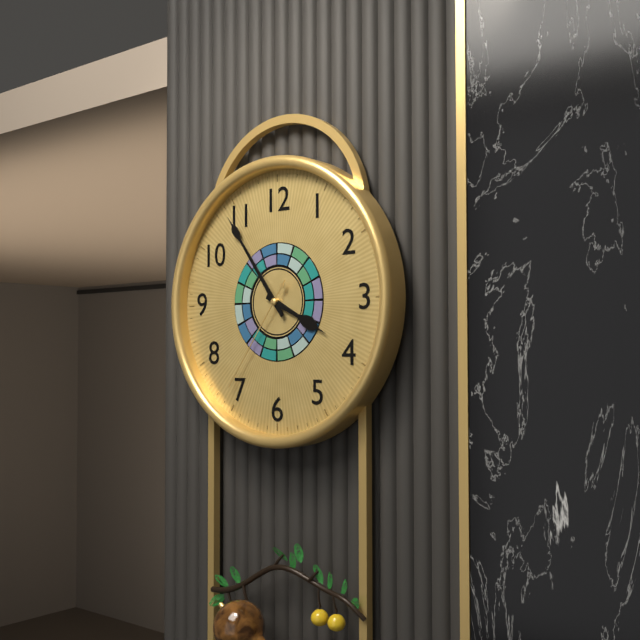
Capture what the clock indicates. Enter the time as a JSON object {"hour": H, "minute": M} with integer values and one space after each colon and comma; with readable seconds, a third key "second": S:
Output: {"hour": 3, "minute": 54, "second": 36}
